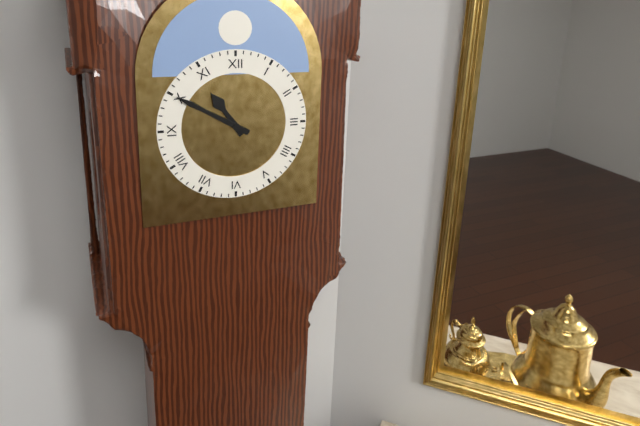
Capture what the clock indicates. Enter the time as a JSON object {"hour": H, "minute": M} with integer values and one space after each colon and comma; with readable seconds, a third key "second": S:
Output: {"hour": 10, "minute": 50}
